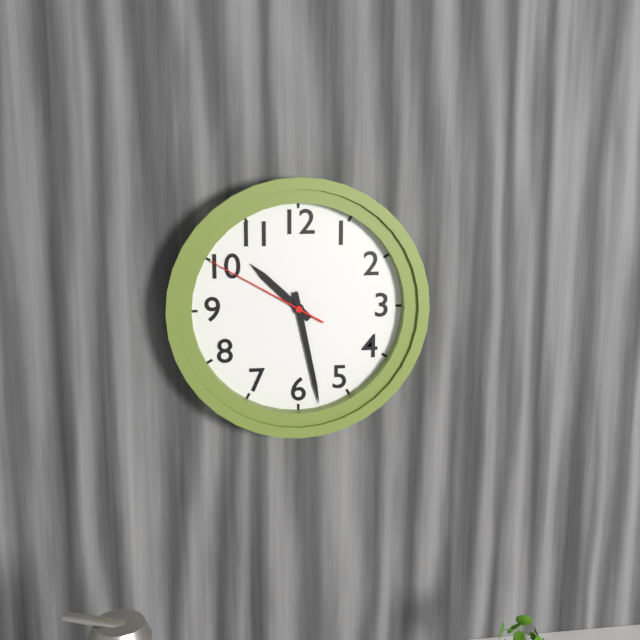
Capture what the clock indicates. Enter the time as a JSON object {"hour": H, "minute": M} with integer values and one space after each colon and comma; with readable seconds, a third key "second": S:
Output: {"hour": 10, "minute": 28, "second": 50}
